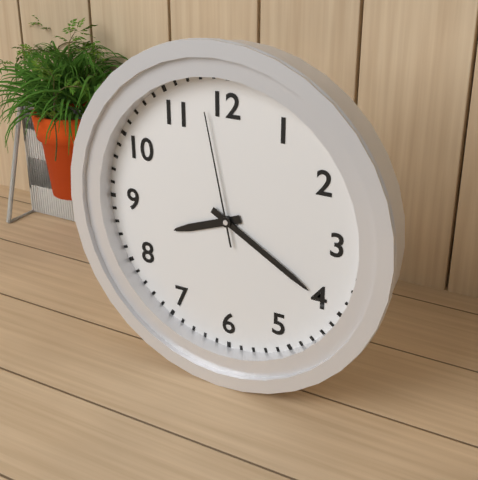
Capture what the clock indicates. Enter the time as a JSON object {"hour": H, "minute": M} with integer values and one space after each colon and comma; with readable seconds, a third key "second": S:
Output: {"hour": 8, "minute": 20, "second": 58}
